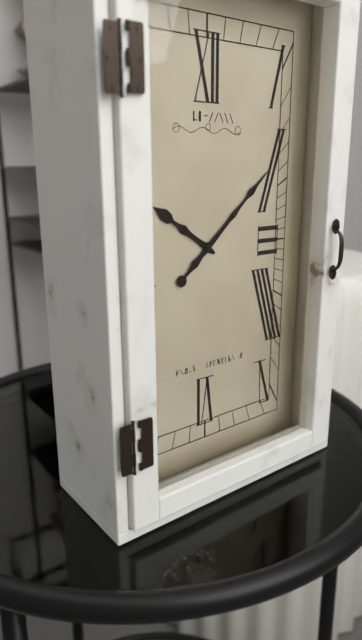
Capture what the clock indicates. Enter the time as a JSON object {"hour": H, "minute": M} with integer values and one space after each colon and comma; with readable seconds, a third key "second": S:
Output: {"hour": 10, "minute": 8}
